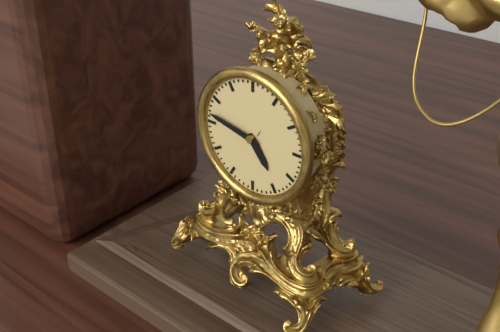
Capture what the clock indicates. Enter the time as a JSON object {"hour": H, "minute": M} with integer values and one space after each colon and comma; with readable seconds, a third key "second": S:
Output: {"hour": 4, "minute": 47}
